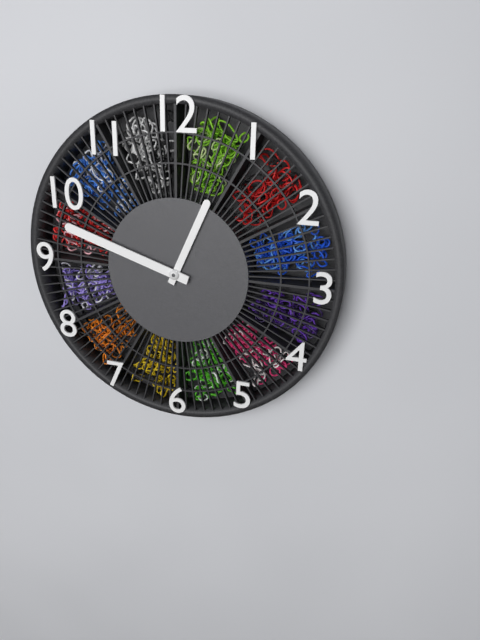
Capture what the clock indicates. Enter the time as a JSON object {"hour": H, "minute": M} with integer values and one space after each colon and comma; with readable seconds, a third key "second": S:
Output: {"hour": 12, "minute": 48}
